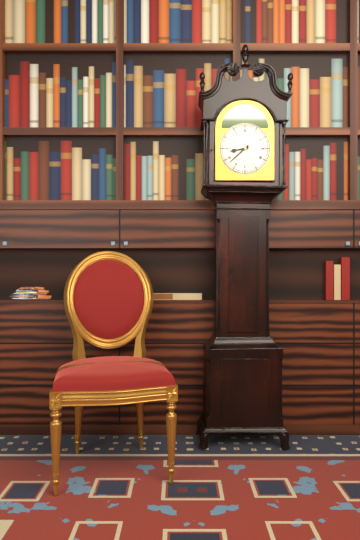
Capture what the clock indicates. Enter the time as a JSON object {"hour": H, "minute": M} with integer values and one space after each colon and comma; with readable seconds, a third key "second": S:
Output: {"hour": 8, "minute": 38}
